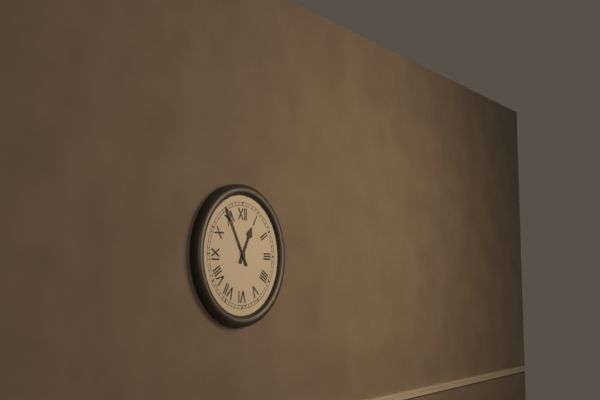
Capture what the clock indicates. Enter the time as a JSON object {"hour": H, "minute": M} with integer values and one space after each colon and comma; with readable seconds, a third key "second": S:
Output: {"hour": 12, "minute": 55}
